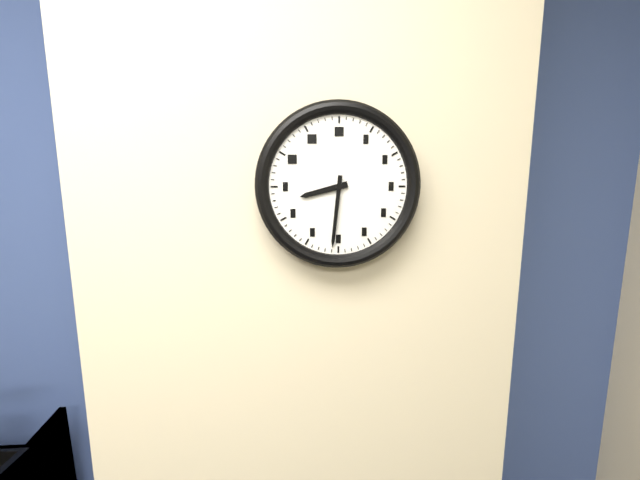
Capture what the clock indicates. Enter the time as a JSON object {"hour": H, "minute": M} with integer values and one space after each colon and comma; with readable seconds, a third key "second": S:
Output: {"hour": 8, "minute": 31}
